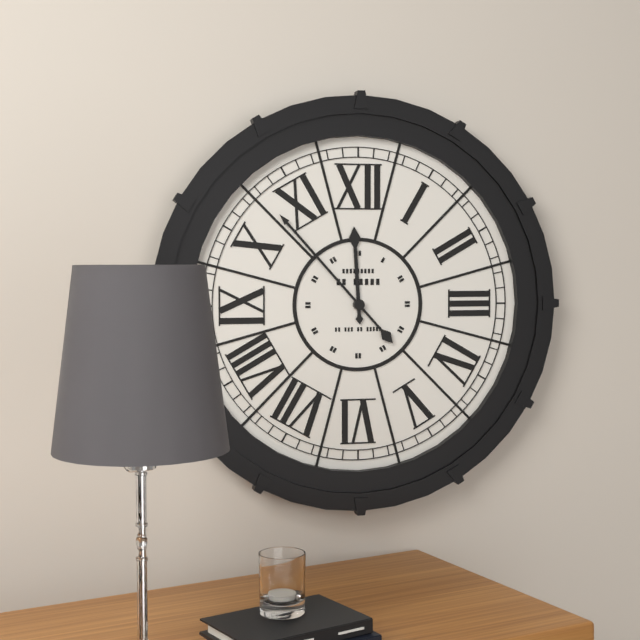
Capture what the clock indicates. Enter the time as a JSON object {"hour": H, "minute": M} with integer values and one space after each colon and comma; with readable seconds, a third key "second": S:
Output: {"hour": 11, "minute": 53}
